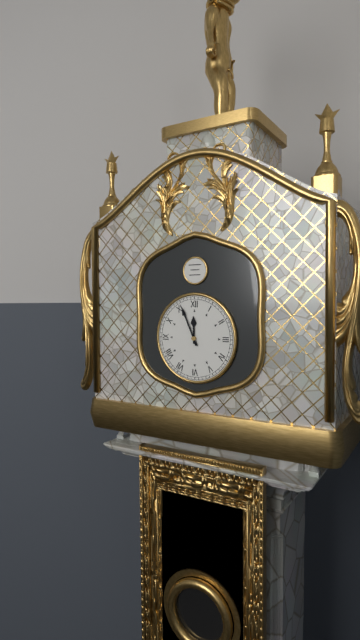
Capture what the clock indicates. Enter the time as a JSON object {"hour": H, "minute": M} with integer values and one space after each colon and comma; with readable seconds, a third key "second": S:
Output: {"hour": 11, "minute": 56}
